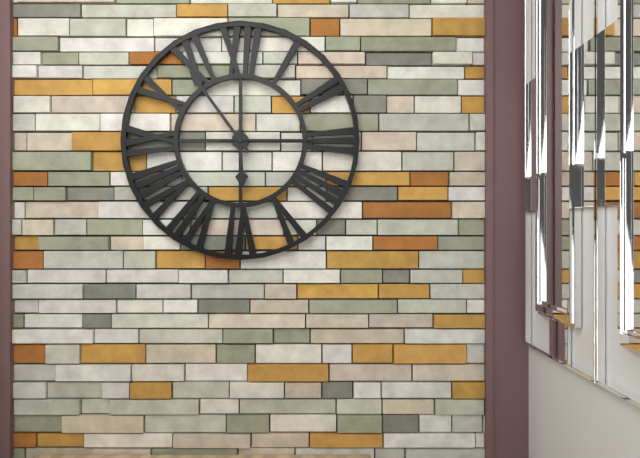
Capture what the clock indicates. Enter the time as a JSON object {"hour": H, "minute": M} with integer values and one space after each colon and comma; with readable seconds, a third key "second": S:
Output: {"hour": 5, "minute": 54, "second": 15}
